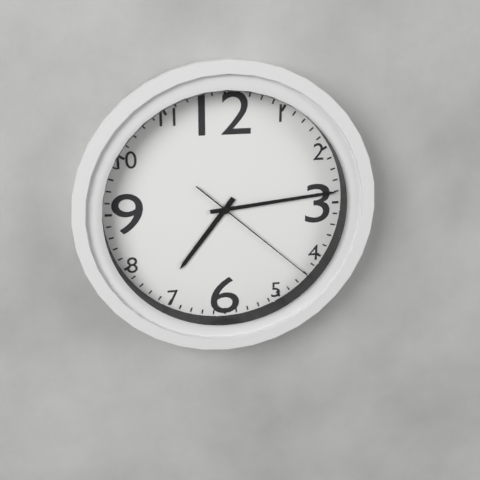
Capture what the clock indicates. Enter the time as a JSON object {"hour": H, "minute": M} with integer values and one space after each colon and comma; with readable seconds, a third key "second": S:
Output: {"hour": 7, "minute": 14, "second": 22}
